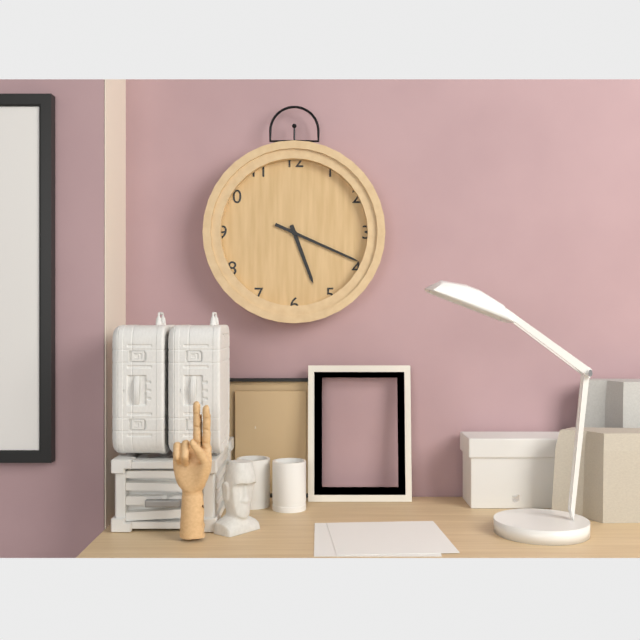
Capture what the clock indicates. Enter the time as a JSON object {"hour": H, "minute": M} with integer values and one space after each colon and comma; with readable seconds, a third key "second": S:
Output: {"hour": 5, "minute": 19}
